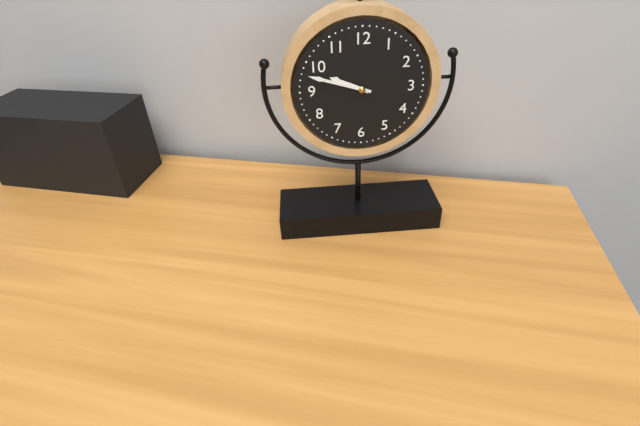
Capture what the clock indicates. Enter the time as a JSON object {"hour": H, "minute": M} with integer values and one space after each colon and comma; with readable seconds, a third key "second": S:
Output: {"hour": 9, "minute": 48}
